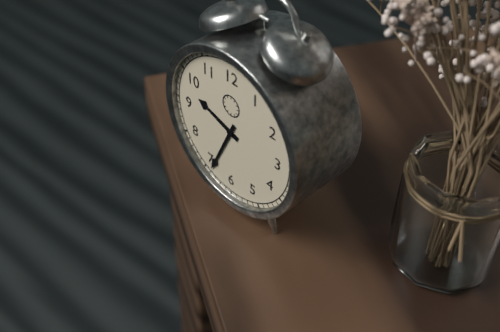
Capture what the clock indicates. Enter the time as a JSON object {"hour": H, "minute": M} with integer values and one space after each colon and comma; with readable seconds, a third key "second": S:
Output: {"hour": 9, "minute": 34}
